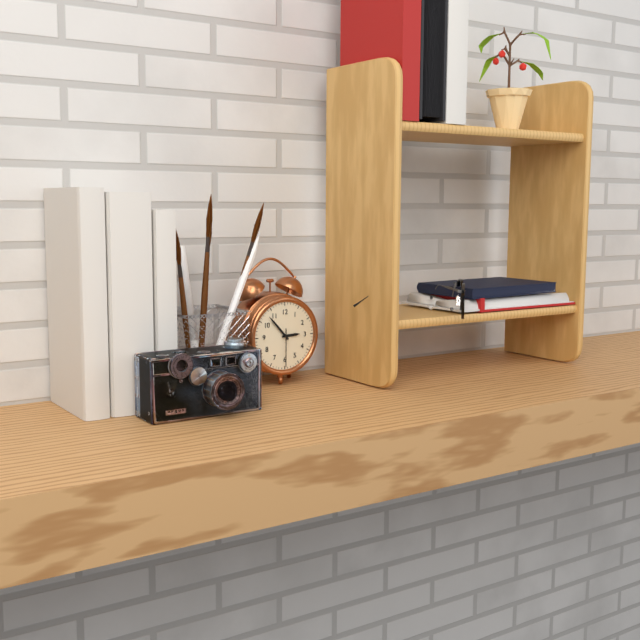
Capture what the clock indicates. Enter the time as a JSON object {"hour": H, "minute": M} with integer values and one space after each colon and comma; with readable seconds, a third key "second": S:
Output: {"hour": 2, "minute": 53}
